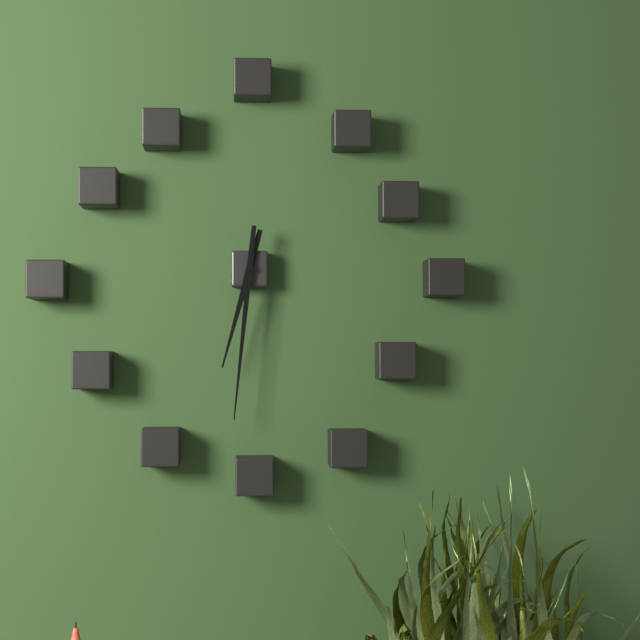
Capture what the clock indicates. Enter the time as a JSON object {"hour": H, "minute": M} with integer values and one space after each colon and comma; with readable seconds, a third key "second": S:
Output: {"hour": 6, "minute": 31}
